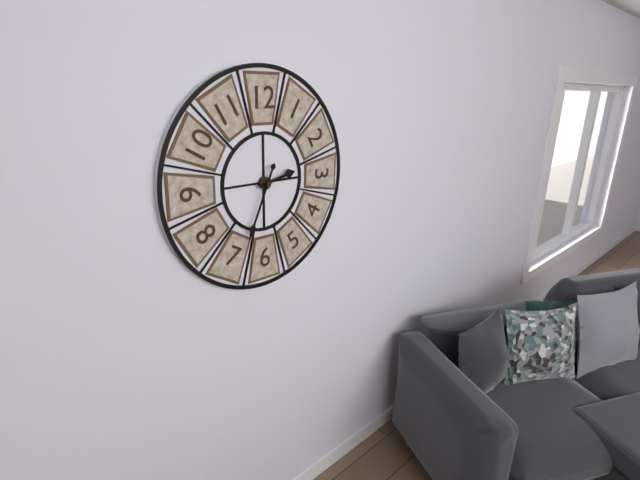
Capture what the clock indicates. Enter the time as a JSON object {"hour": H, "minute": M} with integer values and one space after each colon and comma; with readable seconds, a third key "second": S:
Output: {"hour": 2, "minute": 34}
